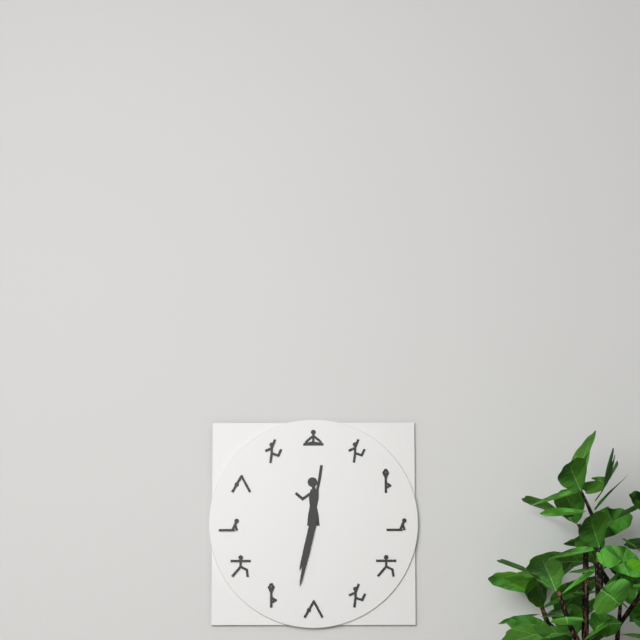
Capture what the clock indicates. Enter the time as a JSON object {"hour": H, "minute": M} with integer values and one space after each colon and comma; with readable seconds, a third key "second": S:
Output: {"hour": 6, "minute": 32}
